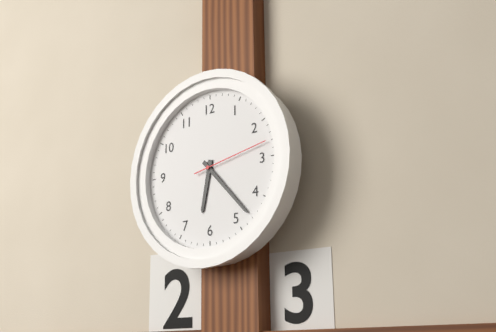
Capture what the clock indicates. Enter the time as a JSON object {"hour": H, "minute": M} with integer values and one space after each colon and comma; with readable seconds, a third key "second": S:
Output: {"hour": 6, "minute": 23, "second": 13}
